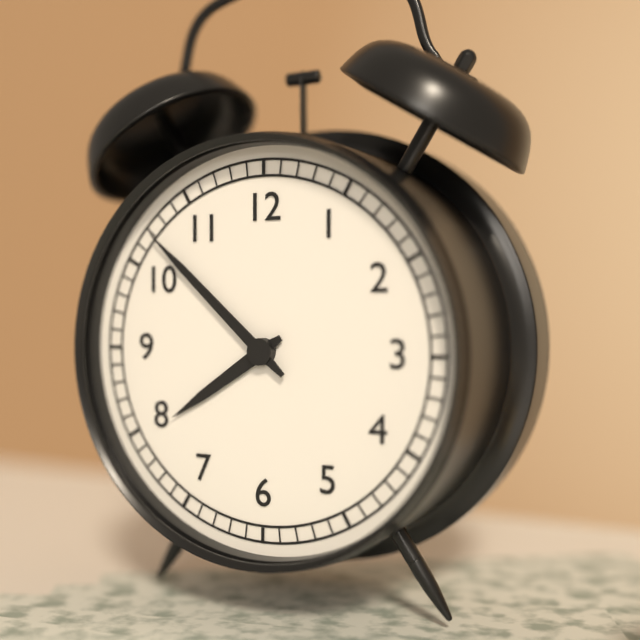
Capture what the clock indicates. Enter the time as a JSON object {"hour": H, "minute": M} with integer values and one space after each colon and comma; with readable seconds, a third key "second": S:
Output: {"hour": 7, "minute": 52}
